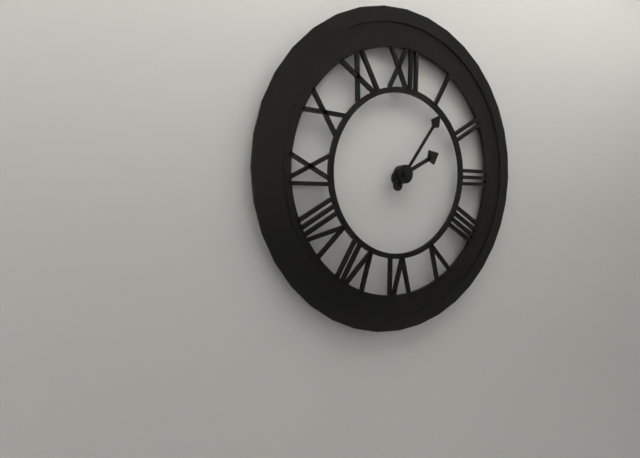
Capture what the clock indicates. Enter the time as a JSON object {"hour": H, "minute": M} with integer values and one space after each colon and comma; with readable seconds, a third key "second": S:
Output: {"hour": 2, "minute": 6}
